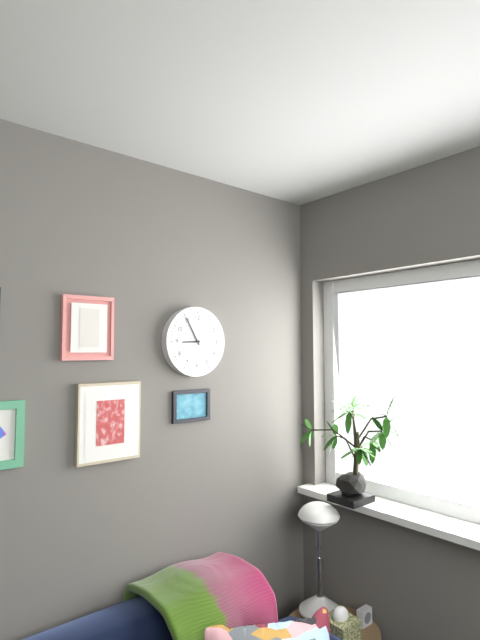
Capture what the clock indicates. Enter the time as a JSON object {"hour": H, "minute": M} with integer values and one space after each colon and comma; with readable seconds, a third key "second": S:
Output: {"hour": 8, "minute": 55}
